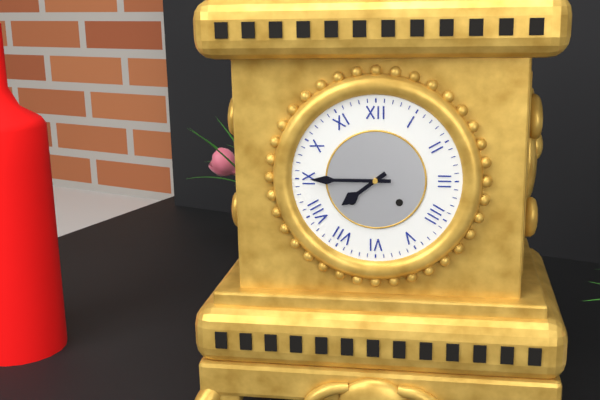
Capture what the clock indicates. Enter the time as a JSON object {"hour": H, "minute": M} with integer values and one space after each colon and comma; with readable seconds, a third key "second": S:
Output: {"hour": 7, "minute": 45}
